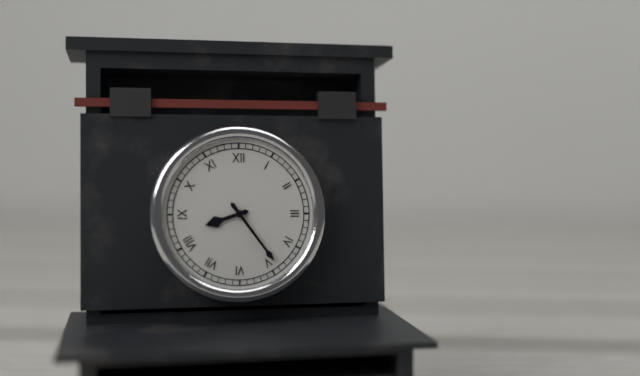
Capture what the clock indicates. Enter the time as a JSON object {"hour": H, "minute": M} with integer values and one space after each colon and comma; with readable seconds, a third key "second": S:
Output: {"hour": 8, "minute": 24}
